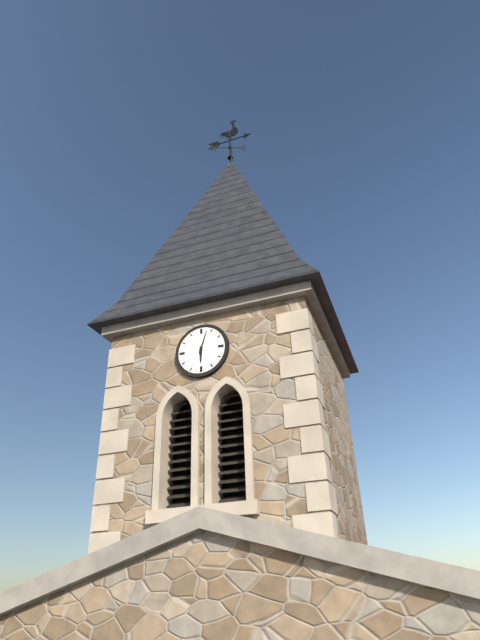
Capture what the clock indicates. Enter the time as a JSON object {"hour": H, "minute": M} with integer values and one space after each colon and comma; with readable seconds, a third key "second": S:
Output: {"hour": 6, "minute": 3}
